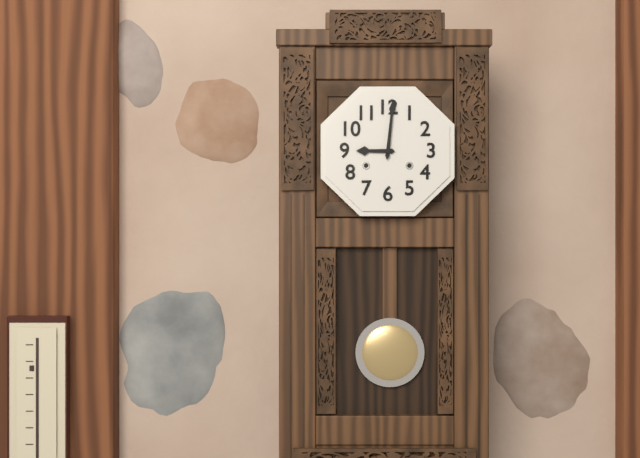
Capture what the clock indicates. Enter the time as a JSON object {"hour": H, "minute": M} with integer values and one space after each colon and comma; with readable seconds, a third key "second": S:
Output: {"hour": 9, "minute": 1}
